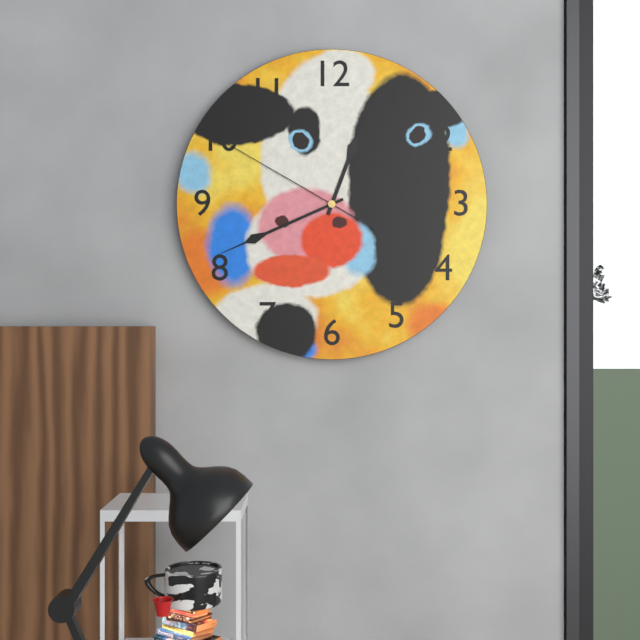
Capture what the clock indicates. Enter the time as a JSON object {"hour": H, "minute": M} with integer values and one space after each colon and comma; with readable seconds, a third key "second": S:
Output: {"hour": 12, "minute": 41, "second": 50}
